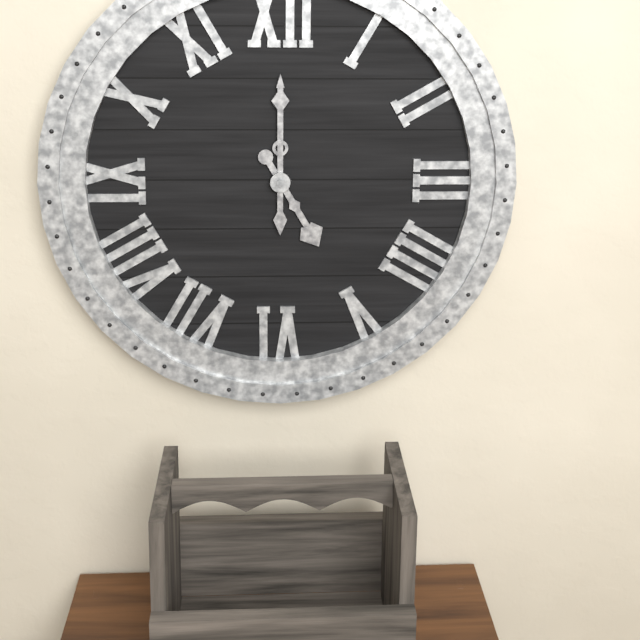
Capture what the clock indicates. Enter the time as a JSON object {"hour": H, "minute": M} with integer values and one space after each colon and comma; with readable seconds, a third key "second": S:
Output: {"hour": 5, "minute": 0}
